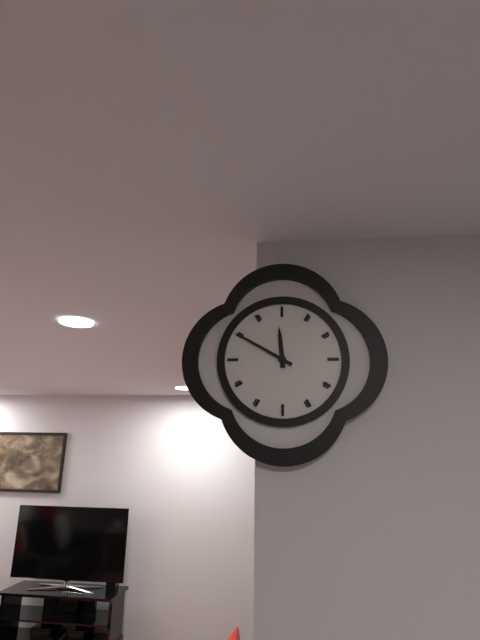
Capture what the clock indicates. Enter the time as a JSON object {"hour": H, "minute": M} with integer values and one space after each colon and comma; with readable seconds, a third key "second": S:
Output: {"hour": 11, "minute": 50}
